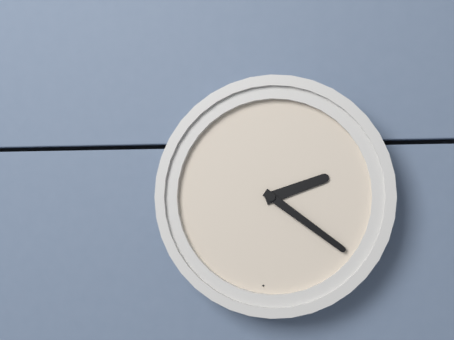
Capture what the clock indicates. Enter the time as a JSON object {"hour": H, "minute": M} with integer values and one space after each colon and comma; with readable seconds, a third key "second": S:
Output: {"hour": 2, "minute": 21}
